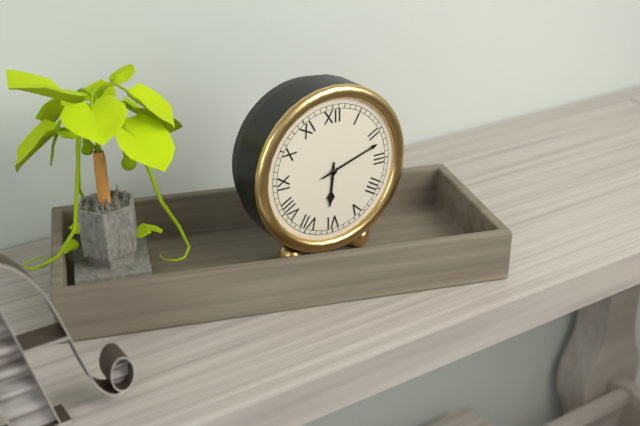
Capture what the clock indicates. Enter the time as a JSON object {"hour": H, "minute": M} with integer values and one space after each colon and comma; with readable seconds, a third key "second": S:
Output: {"hour": 6, "minute": 12}
